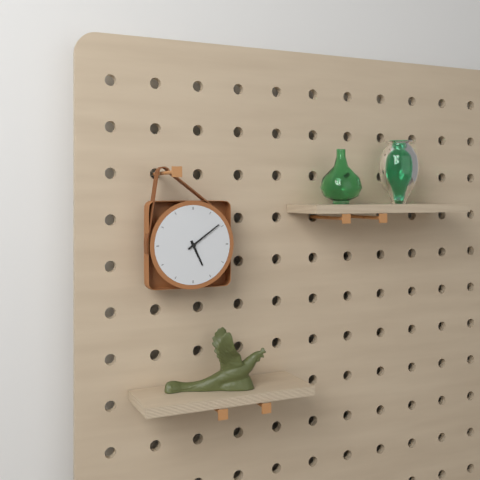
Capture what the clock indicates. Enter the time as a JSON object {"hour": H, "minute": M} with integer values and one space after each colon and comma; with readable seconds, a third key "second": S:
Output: {"hour": 5, "minute": 9}
